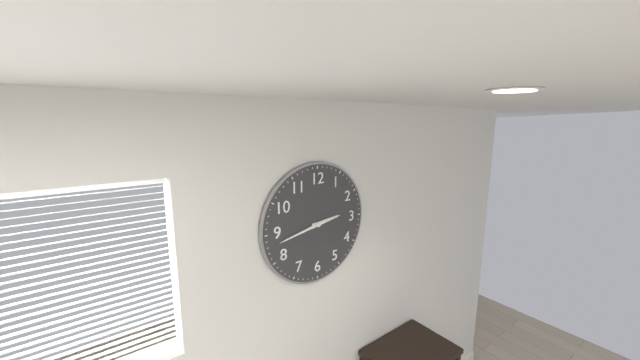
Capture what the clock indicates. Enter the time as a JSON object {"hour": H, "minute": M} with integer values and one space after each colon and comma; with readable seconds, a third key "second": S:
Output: {"hour": 2, "minute": 43}
